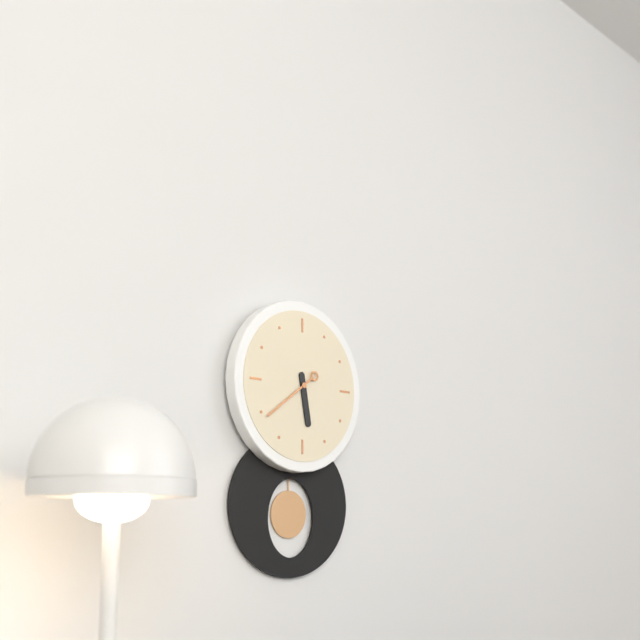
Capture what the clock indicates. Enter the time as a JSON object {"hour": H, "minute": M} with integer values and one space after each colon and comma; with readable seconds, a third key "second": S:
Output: {"hour": 5, "minute": 39}
